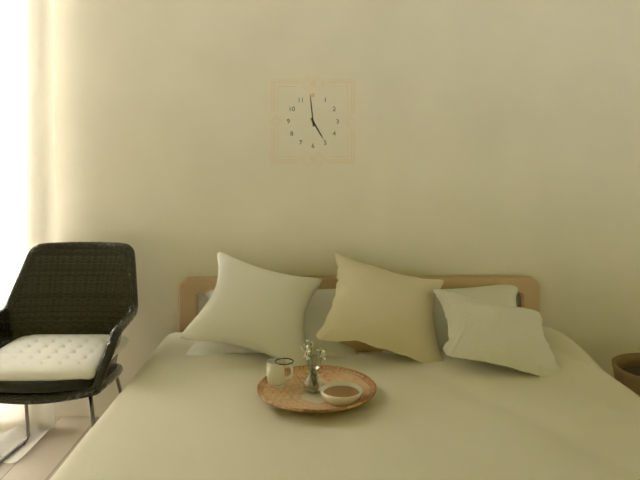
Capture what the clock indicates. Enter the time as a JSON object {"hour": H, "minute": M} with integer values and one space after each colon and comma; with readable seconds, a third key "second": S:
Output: {"hour": 4, "minute": 59}
